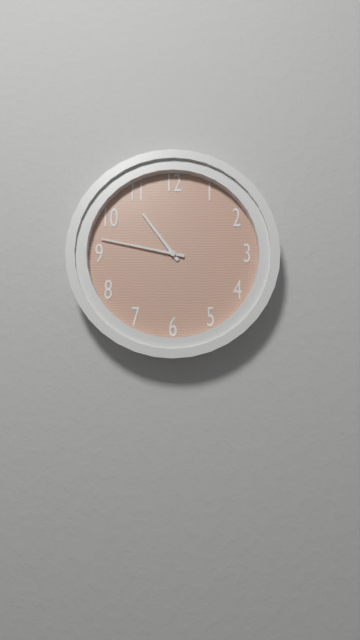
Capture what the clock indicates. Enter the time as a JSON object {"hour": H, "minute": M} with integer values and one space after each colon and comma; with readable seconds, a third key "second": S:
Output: {"hour": 10, "minute": 47}
